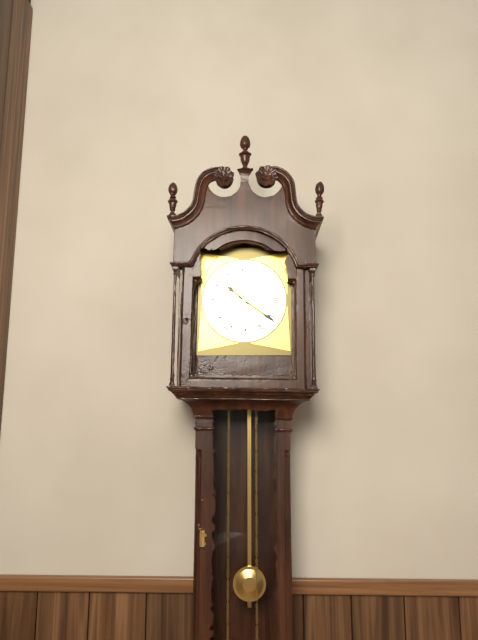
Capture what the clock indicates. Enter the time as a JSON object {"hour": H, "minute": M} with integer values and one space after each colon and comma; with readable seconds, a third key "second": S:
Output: {"hour": 10, "minute": 21}
